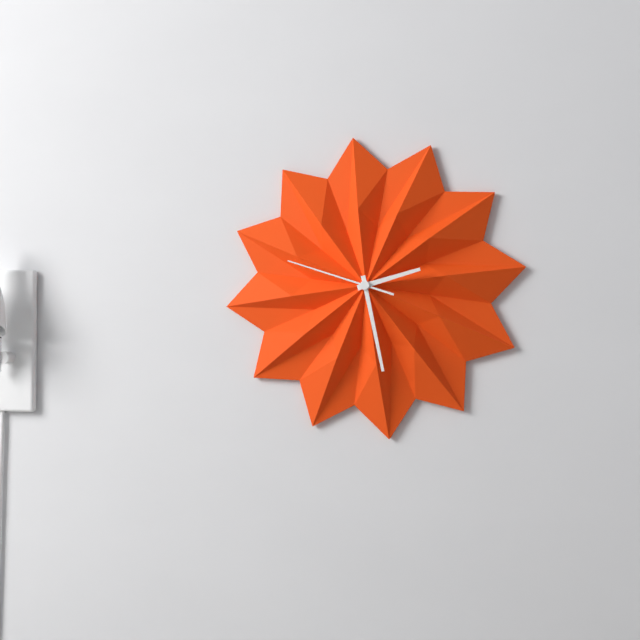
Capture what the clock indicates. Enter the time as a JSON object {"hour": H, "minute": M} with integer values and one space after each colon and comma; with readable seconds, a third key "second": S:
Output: {"hour": 2, "minute": 28, "second": 48}
